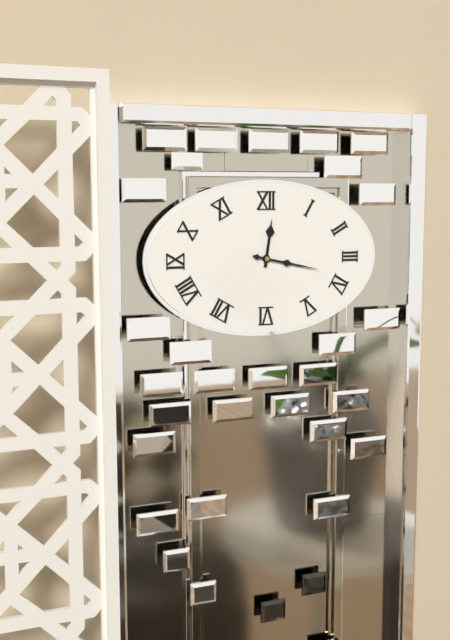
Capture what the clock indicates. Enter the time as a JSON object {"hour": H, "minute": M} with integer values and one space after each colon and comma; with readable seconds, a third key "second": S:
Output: {"hour": 12, "minute": 17}
